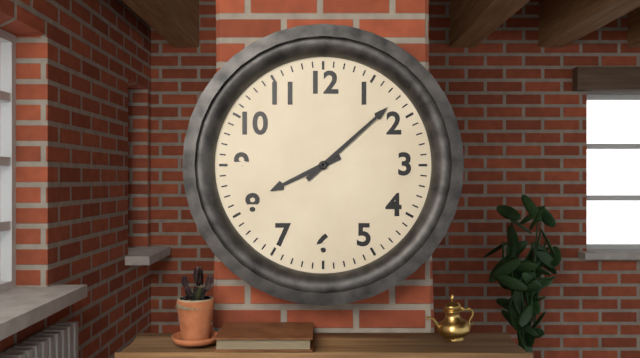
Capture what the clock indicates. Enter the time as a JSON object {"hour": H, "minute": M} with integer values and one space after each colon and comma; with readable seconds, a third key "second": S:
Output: {"hour": 8, "minute": 8}
